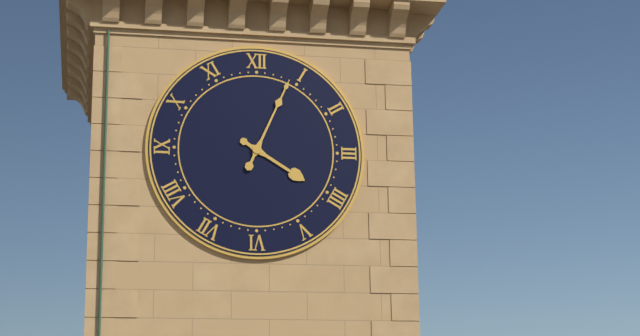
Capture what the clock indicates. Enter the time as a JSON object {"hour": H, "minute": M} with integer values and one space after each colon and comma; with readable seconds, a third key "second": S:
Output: {"hour": 4, "minute": 4}
